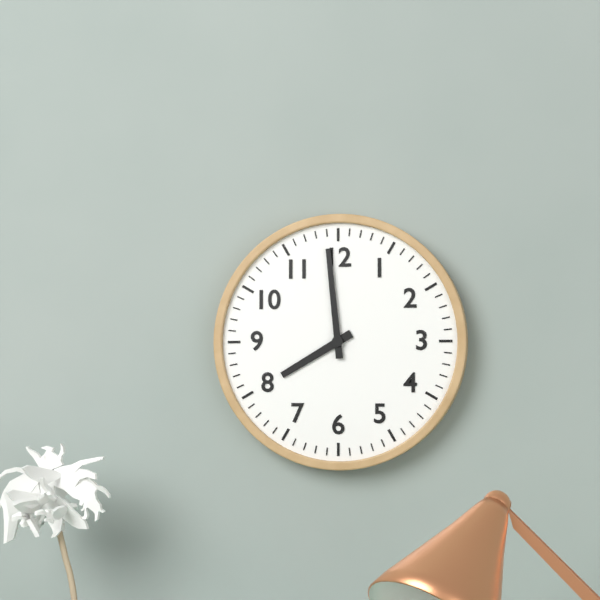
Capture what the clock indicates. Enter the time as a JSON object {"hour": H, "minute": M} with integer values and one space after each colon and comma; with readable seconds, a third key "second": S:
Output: {"hour": 7, "minute": 59}
